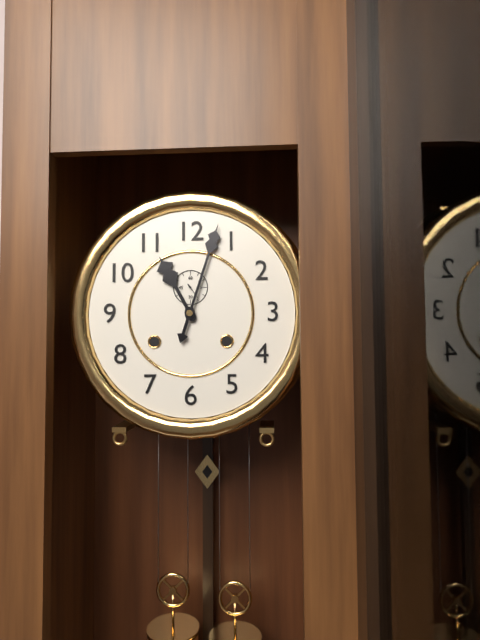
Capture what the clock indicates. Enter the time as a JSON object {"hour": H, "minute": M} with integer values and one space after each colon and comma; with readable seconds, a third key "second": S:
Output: {"hour": 11, "minute": 3}
